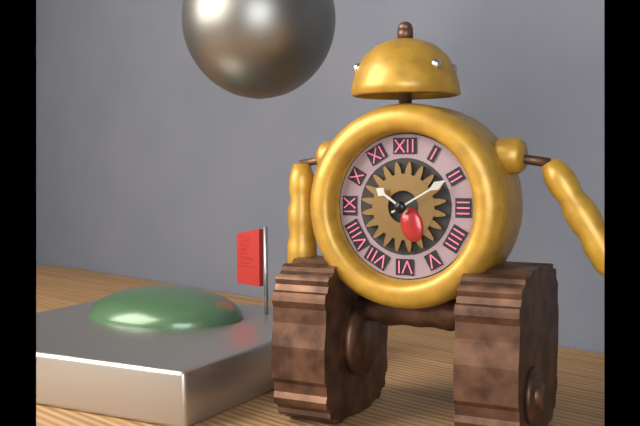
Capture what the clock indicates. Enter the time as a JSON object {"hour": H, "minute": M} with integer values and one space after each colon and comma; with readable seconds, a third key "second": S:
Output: {"hour": 10, "minute": 10}
